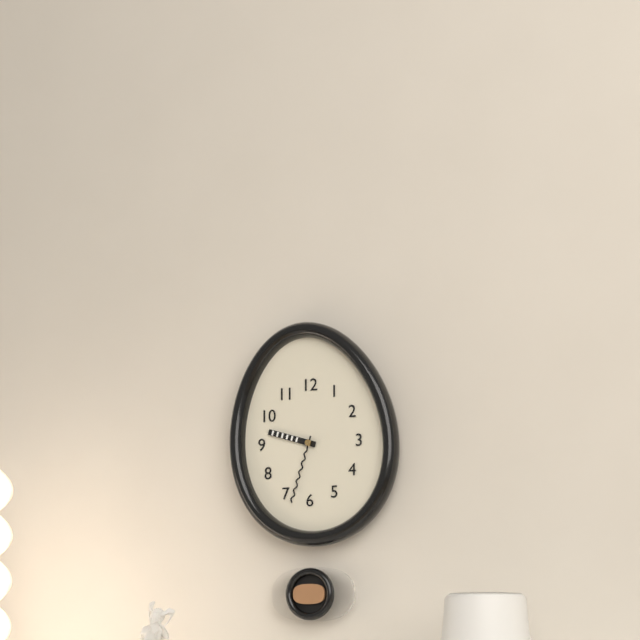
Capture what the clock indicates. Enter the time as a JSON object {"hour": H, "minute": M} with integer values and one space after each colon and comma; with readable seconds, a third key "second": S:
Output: {"hour": 9, "minute": 33}
